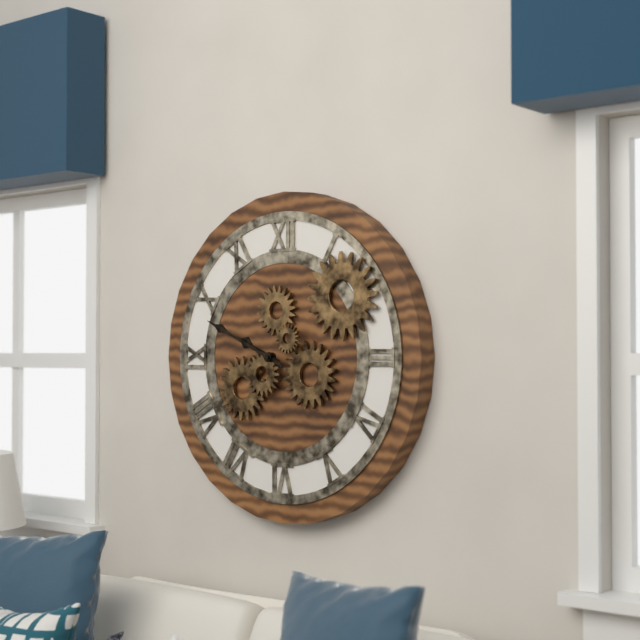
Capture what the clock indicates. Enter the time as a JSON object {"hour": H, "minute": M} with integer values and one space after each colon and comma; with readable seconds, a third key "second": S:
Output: {"hour": 9, "minute": 49}
